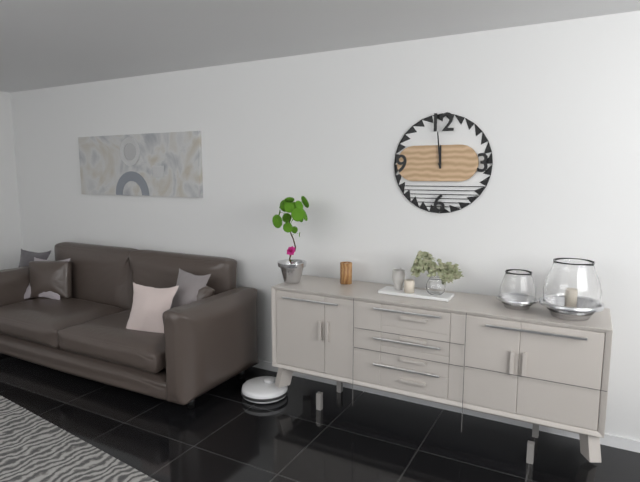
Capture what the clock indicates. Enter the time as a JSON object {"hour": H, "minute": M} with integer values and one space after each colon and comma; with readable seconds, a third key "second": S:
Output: {"hour": 11, "minute": 59}
